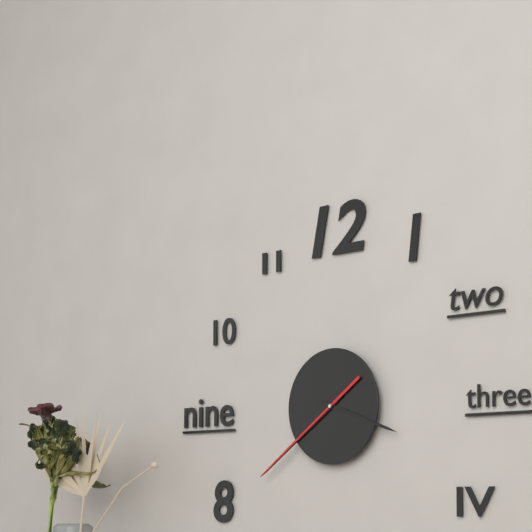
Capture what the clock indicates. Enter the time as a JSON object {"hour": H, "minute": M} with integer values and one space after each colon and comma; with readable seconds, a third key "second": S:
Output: {"hour": 3, "minute": 39, "second": 39}
